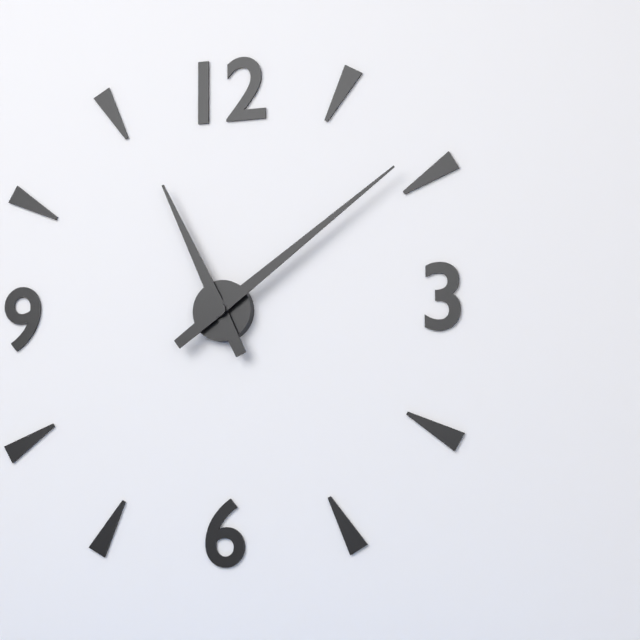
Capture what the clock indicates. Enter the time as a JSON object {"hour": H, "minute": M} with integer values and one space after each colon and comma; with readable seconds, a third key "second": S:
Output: {"hour": 11, "minute": 9}
